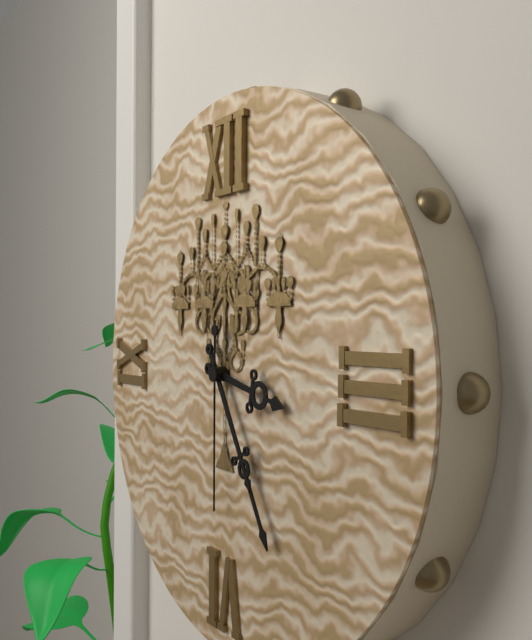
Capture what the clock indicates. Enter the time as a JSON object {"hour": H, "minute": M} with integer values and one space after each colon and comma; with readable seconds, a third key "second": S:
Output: {"hour": 3, "minute": 25, "second": 30}
